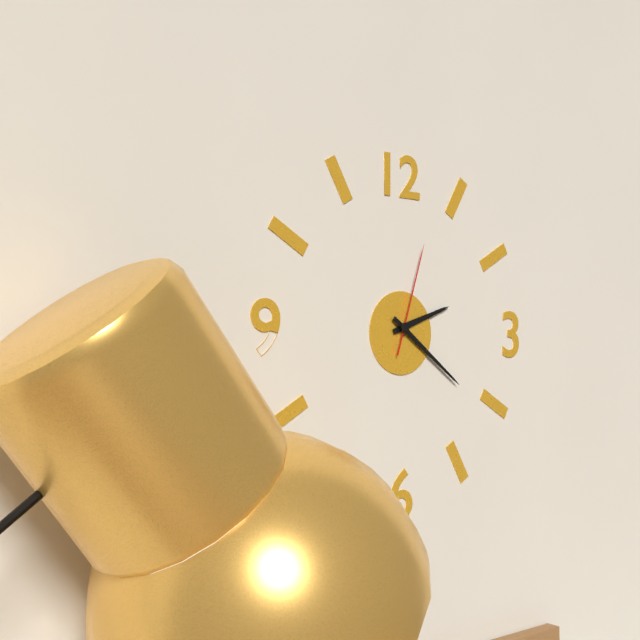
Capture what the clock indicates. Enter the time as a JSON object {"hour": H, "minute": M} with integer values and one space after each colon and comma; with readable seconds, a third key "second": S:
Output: {"hour": 2, "minute": 21, "second": 3}
